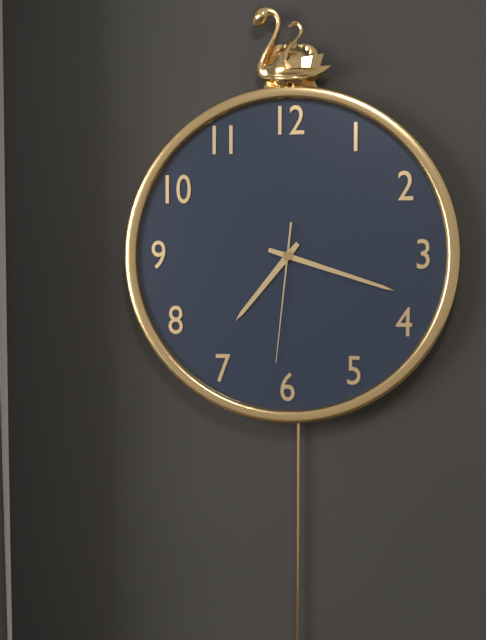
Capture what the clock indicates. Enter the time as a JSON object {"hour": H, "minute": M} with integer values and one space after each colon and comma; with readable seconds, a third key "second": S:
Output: {"hour": 7, "minute": 18, "second": 31}
